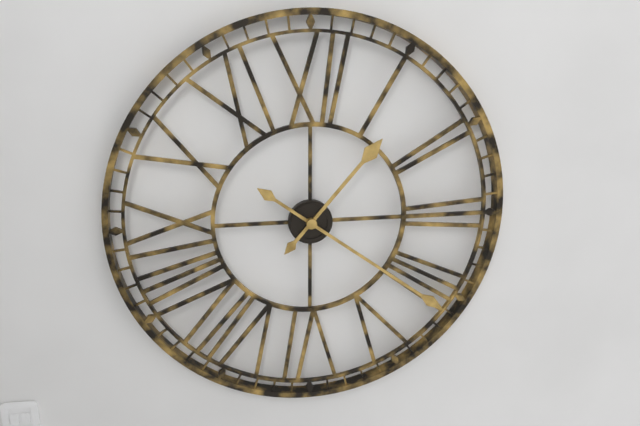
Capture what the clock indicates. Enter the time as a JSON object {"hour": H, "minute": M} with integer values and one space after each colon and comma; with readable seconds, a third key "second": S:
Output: {"hour": 1, "minute": 21}
